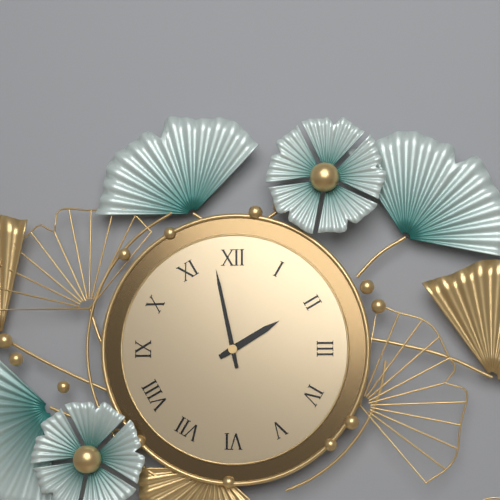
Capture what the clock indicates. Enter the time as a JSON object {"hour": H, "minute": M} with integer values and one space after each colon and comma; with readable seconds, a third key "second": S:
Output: {"hour": 1, "minute": 58}
